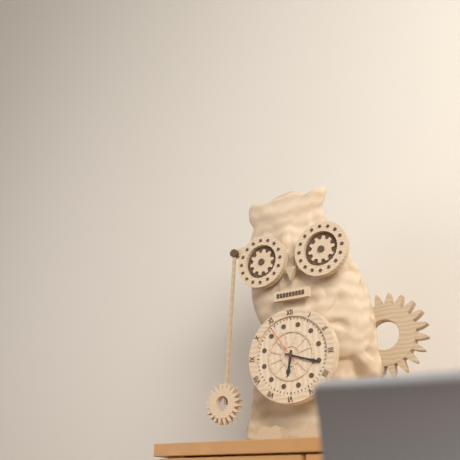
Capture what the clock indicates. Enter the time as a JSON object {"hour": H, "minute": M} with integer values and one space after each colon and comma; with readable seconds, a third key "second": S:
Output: {"hour": 6, "minute": 18}
